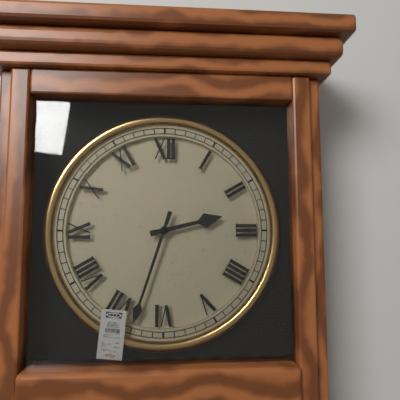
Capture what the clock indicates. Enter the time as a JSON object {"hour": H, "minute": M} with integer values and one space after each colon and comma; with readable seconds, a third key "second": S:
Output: {"hour": 2, "minute": 33}
